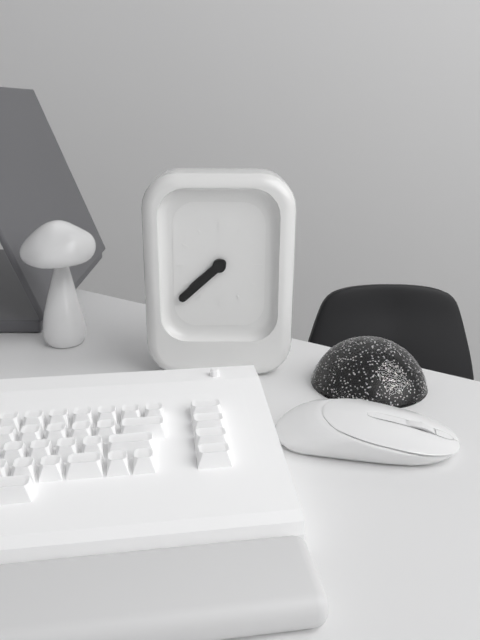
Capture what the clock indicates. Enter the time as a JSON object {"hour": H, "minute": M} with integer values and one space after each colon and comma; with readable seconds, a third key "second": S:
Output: {"hour": 7, "minute": 38}
